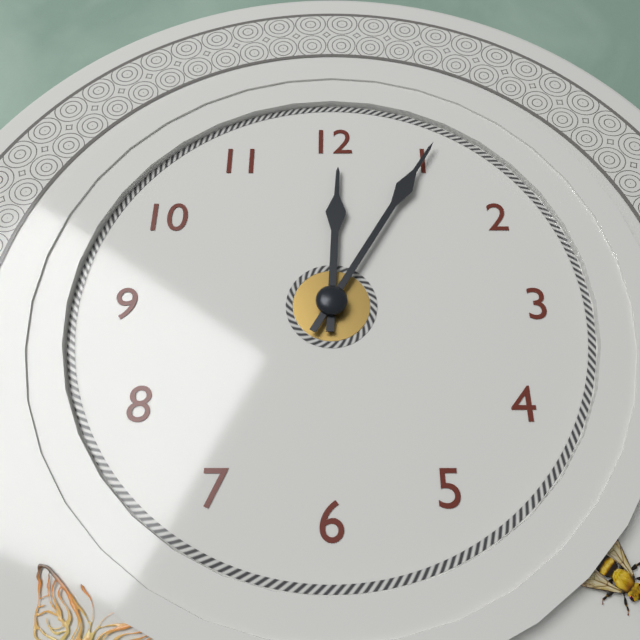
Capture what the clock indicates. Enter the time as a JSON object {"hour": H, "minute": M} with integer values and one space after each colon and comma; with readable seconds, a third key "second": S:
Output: {"hour": 12, "minute": 5}
